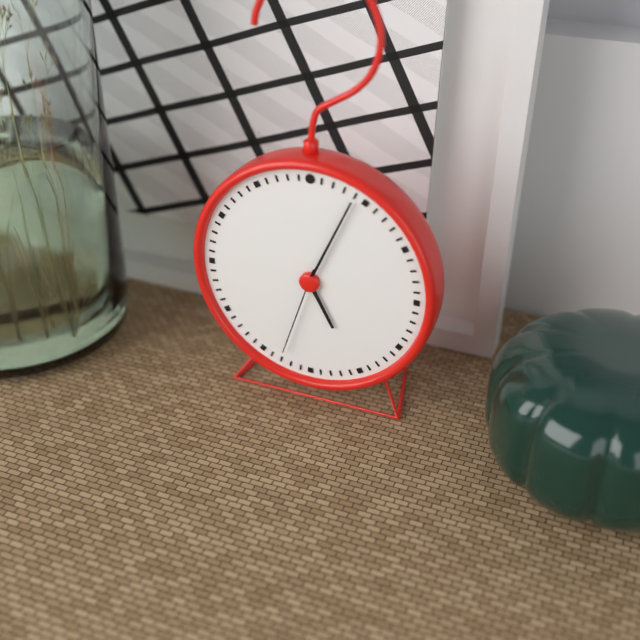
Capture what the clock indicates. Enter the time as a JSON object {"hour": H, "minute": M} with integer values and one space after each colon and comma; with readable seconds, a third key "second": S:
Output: {"hour": 5, "minute": 4, "second": 33}
